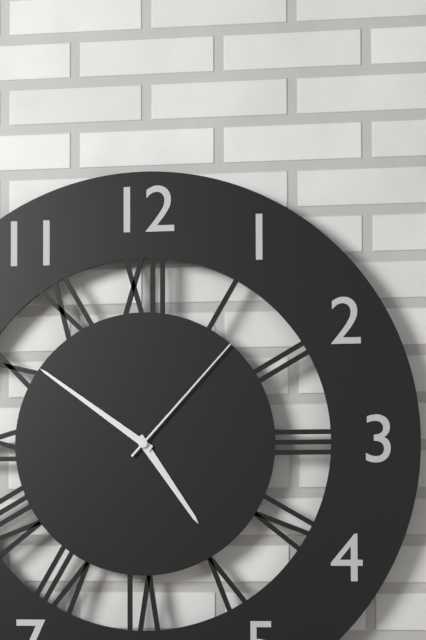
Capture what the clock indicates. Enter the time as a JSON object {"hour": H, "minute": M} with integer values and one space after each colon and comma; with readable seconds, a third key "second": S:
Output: {"hour": 4, "minute": 51, "second": 7}
